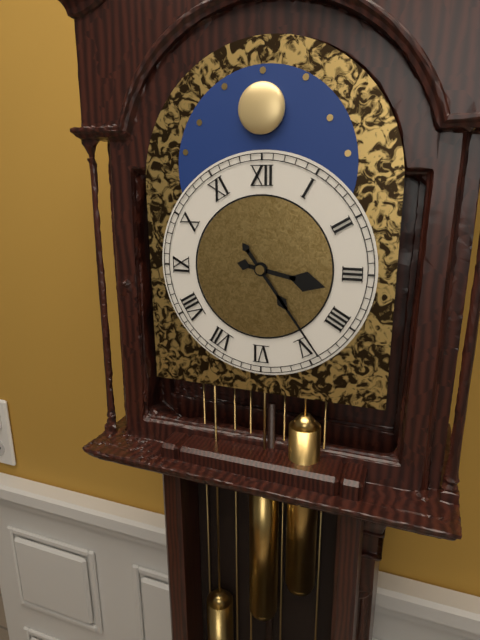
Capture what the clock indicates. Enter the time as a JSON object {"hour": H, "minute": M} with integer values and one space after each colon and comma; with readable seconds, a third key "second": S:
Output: {"hour": 3, "minute": 24}
